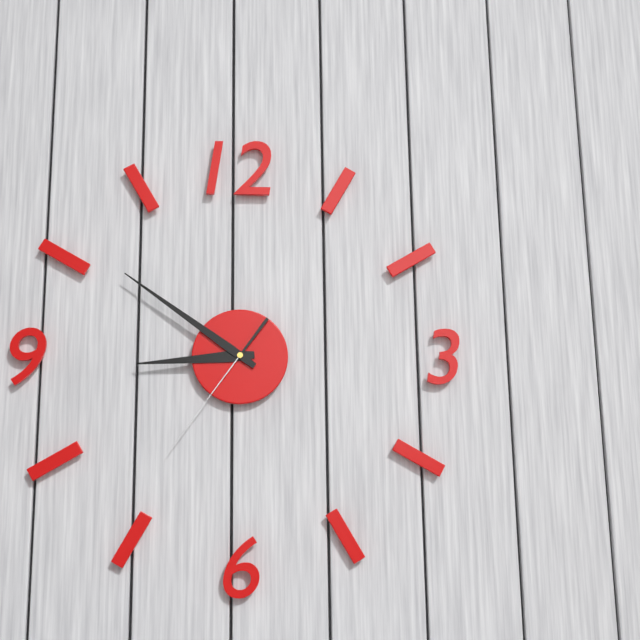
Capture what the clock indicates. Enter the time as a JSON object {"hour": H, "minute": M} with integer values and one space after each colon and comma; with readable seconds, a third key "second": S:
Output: {"hour": 8, "minute": 51, "second": 36}
